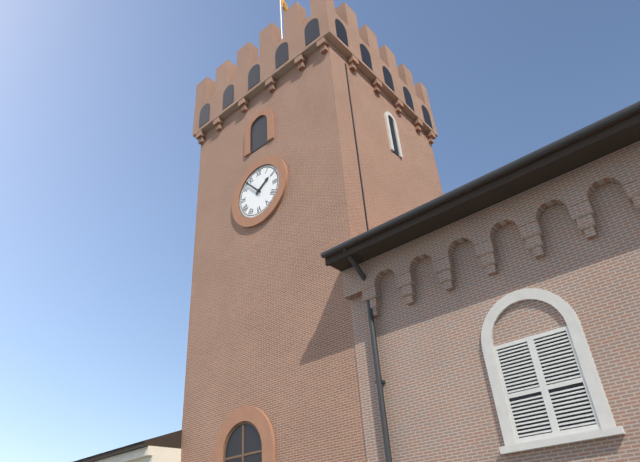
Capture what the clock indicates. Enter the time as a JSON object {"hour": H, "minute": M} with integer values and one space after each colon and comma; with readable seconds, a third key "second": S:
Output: {"hour": 1, "minute": 53}
